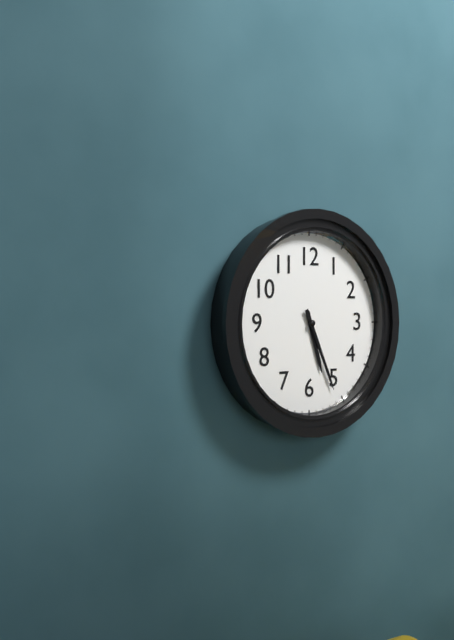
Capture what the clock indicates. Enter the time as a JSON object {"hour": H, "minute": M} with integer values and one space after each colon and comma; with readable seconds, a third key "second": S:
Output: {"hour": 5, "minute": 26}
